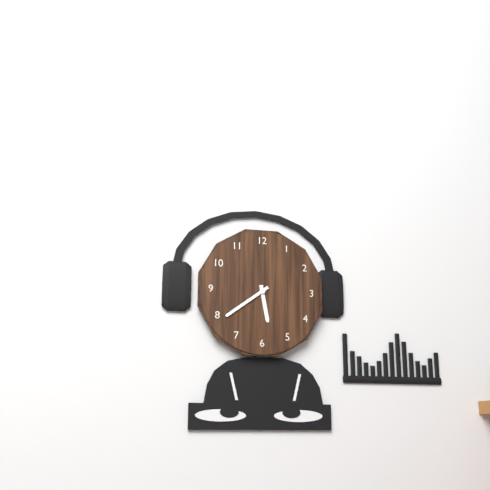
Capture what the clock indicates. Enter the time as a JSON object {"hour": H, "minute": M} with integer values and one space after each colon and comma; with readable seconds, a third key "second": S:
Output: {"hour": 5, "minute": 39}
